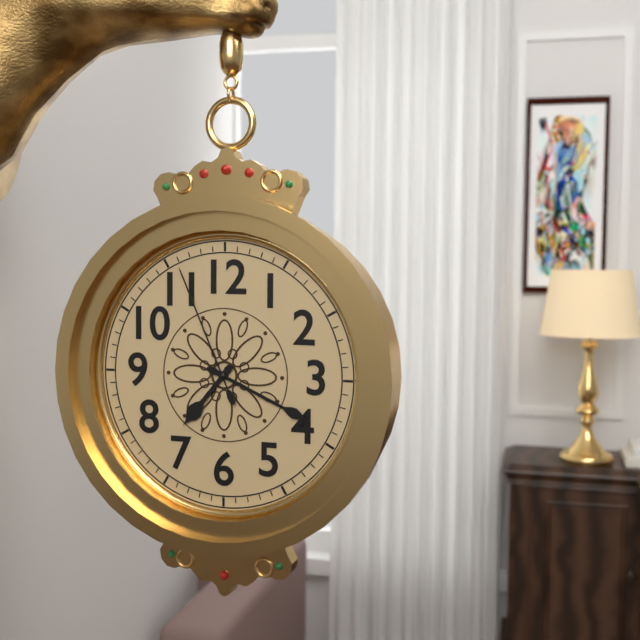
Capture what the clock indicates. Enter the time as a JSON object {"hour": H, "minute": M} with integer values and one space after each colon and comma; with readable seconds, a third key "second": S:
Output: {"hour": 7, "minute": 19, "second": 56}
